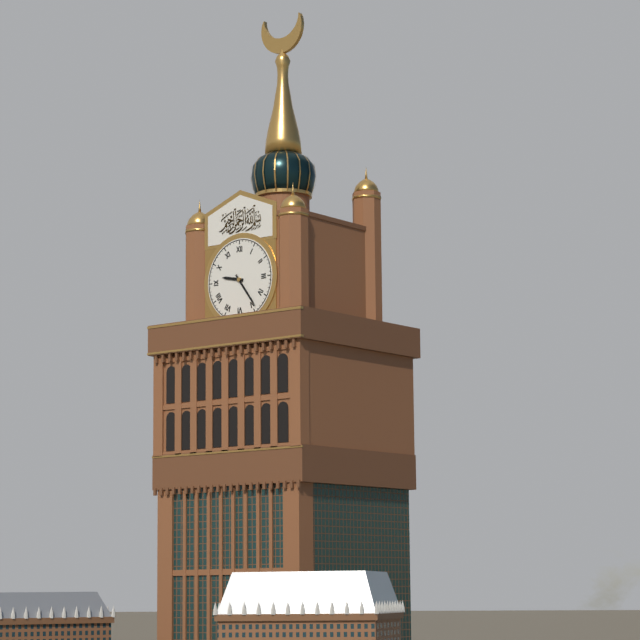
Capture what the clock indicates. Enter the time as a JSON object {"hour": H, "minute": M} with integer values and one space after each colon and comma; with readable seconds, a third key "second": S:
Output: {"hour": 9, "minute": 24}
